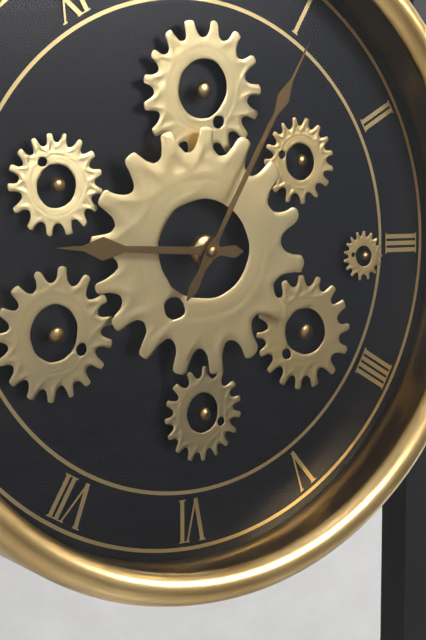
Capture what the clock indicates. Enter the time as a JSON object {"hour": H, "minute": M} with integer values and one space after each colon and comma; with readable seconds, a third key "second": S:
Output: {"hour": 9, "minute": 5}
